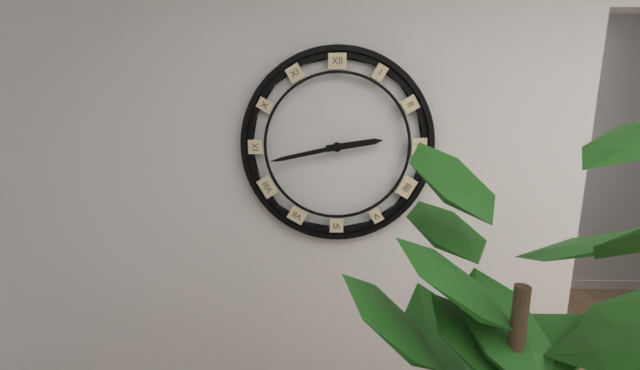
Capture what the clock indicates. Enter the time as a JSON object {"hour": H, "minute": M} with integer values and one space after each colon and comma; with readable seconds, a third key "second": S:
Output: {"hour": 2, "minute": 43}
